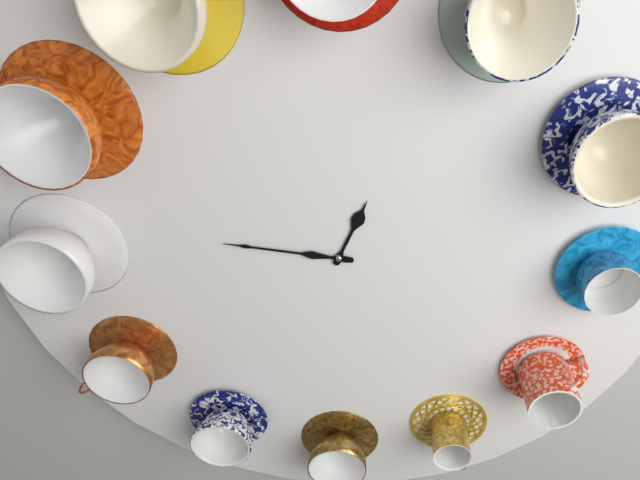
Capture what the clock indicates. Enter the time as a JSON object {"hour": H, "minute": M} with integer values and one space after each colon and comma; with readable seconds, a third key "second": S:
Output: {"hour": 12, "minute": 46}
